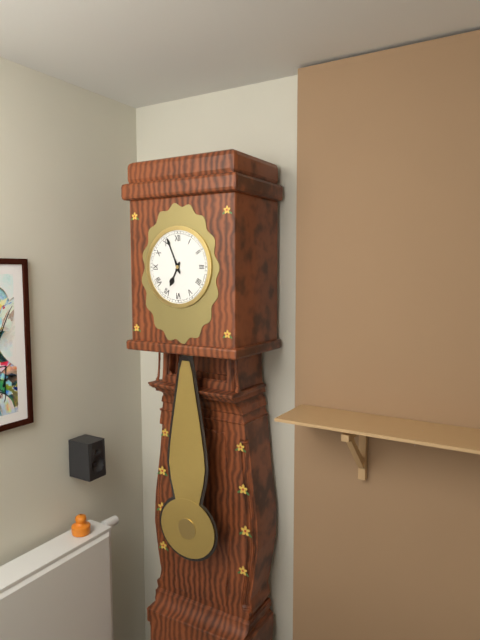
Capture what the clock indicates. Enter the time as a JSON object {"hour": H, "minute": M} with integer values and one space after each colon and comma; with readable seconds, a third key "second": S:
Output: {"hour": 6, "minute": 56}
